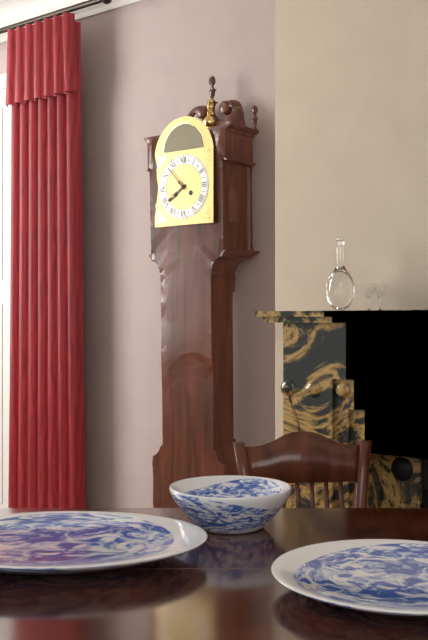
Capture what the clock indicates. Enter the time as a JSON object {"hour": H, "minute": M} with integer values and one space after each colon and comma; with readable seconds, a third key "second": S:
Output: {"hour": 7, "minute": 53}
